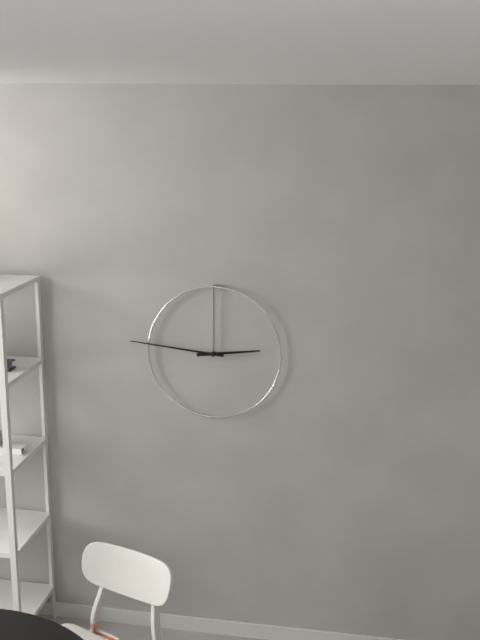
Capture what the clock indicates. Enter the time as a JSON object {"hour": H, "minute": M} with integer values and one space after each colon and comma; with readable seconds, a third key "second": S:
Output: {"hour": 2, "minute": 46}
